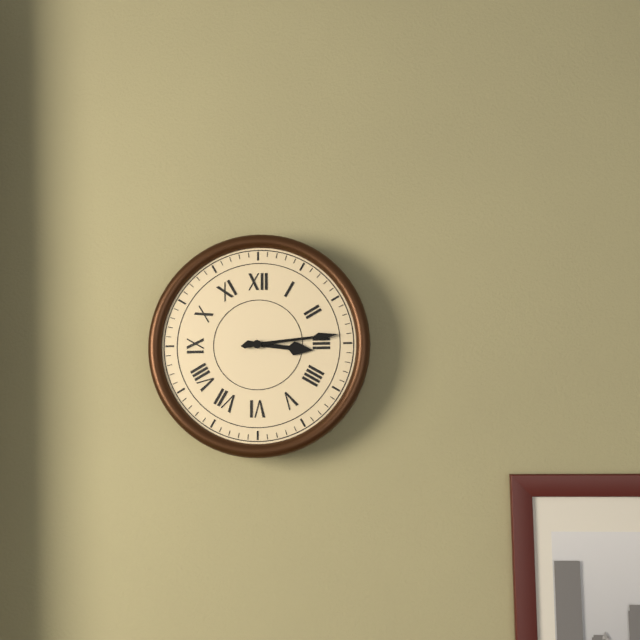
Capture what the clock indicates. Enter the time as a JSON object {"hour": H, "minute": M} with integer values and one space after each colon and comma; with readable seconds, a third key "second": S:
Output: {"hour": 3, "minute": 14}
